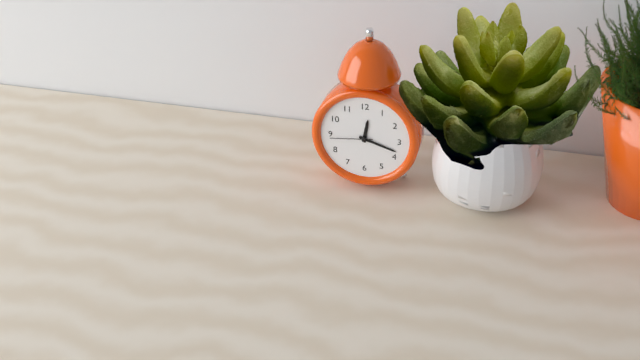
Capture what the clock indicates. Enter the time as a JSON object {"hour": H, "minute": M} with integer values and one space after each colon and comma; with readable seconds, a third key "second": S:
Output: {"hour": 12, "minute": 18}
